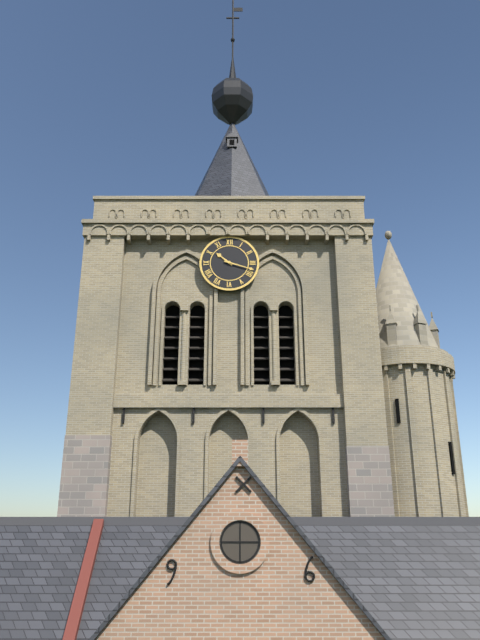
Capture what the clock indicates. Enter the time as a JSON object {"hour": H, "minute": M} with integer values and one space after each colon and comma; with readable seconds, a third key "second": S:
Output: {"hour": 10, "minute": 18}
